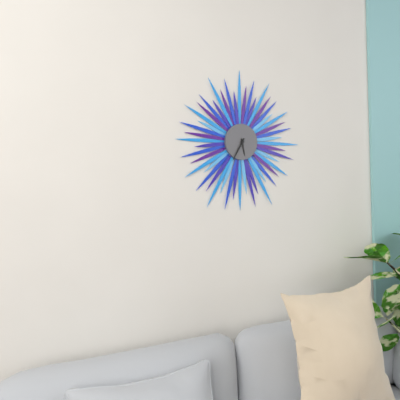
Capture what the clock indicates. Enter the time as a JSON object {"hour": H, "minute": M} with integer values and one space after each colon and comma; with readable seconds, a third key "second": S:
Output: {"hour": 5, "minute": 35}
